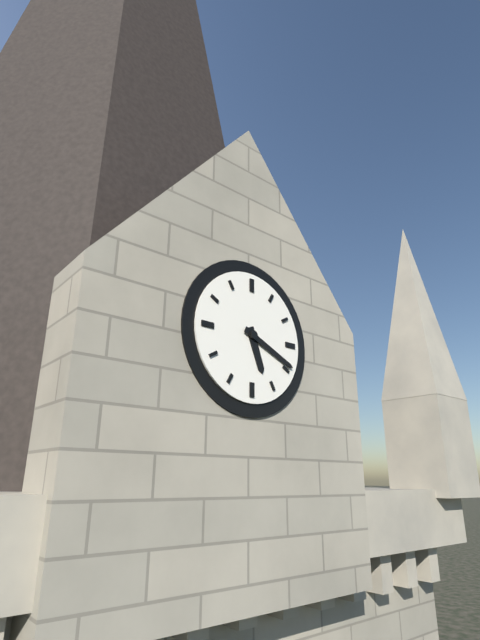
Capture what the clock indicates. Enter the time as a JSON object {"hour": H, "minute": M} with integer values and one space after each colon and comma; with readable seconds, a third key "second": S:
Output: {"hour": 5, "minute": 19}
